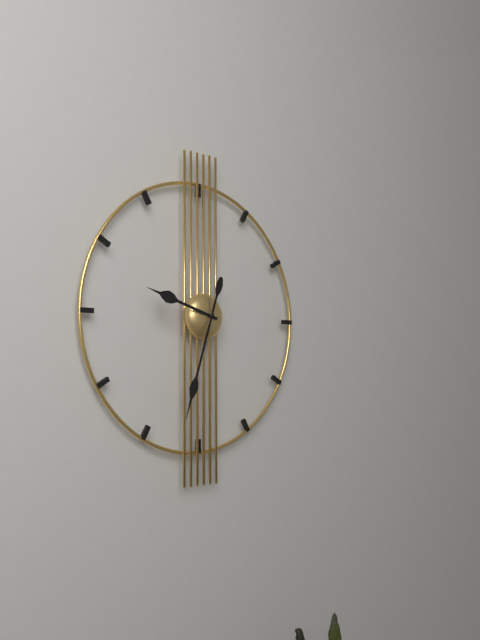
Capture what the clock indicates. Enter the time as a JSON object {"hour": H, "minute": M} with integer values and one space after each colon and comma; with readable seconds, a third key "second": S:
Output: {"hour": 9, "minute": 33}
